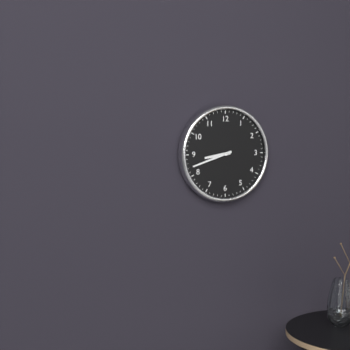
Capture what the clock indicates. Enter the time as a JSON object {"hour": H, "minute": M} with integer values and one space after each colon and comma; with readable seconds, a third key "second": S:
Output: {"hour": 8, "minute": 42}
